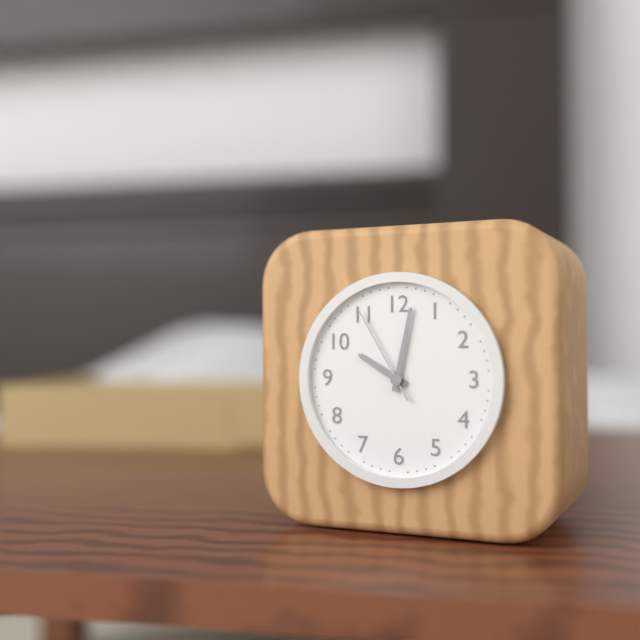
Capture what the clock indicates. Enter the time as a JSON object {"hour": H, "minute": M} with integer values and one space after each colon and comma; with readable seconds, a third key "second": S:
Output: {"hour": 10, "minute": 2, "second": 55}
